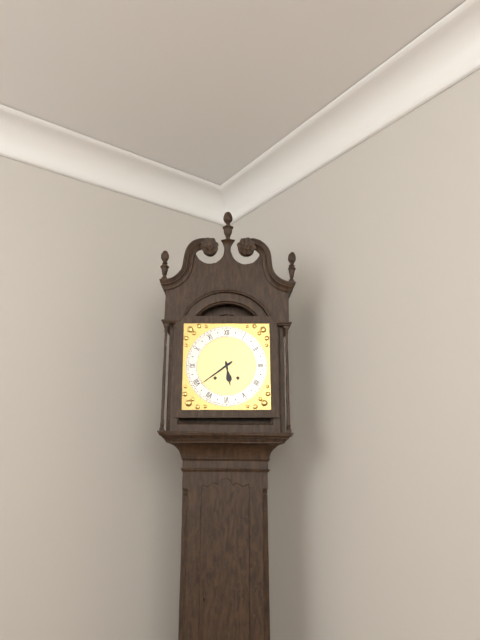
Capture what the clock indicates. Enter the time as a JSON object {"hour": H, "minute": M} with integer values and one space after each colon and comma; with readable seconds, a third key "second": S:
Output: {"hour": 5, "minute": 39}
